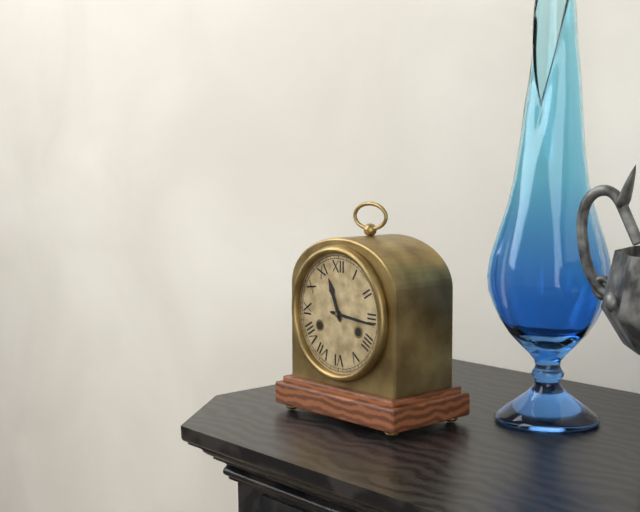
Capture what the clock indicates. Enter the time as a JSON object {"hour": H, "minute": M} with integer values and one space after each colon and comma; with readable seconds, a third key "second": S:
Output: {"hour": 11, "minute": 16}
